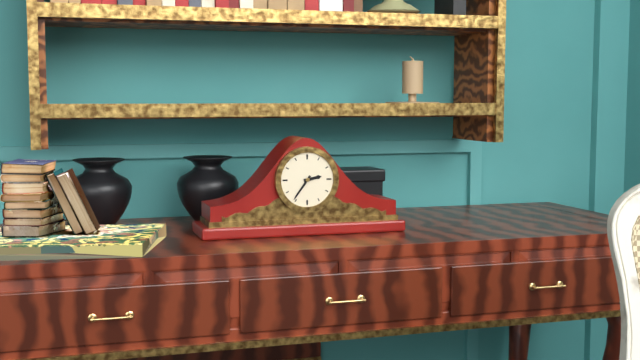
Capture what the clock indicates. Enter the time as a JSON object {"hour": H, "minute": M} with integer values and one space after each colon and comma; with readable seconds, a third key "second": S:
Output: {"hour": 2, "minute": 36}
